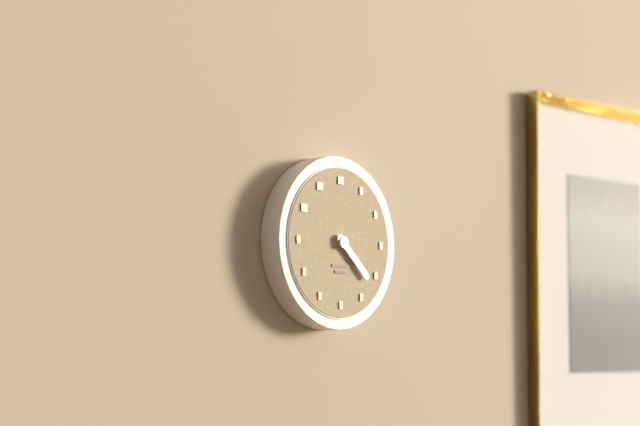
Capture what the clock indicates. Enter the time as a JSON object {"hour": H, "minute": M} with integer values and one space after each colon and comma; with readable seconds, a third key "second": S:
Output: {"hour": 4, "minute": 22}
